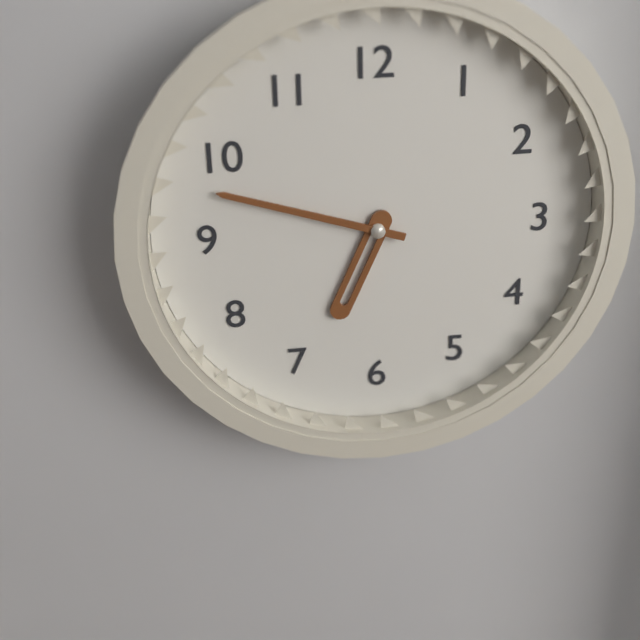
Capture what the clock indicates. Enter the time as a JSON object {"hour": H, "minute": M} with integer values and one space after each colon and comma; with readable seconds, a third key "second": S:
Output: {"hour": 6, "minute": 48}
